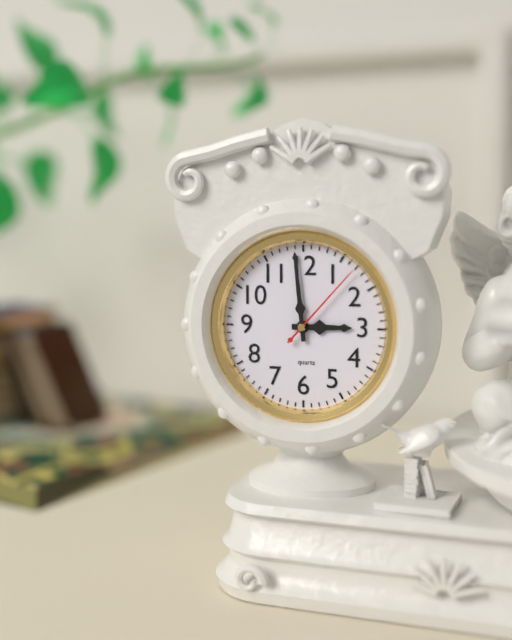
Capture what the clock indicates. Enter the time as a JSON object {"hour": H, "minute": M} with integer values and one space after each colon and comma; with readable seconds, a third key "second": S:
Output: {"hour": 2, "minute": 59, "second": 7}
